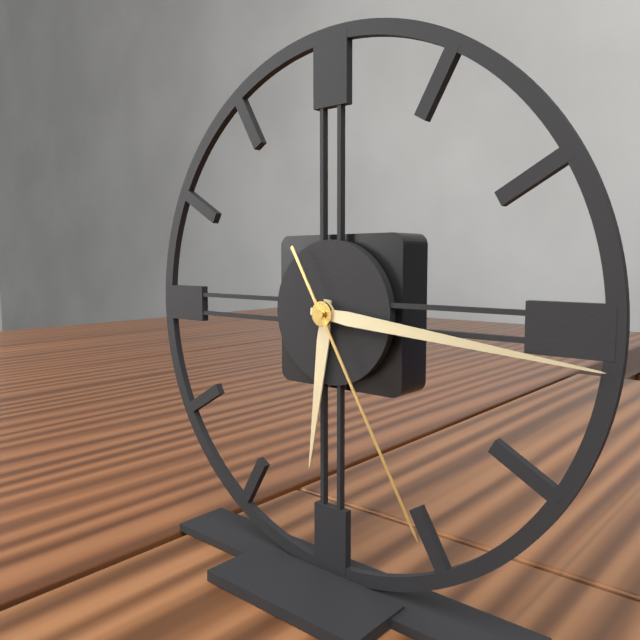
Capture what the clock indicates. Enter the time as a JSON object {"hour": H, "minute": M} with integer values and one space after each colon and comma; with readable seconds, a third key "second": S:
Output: {"hour": 6, "minute": 16, "second": 25}
